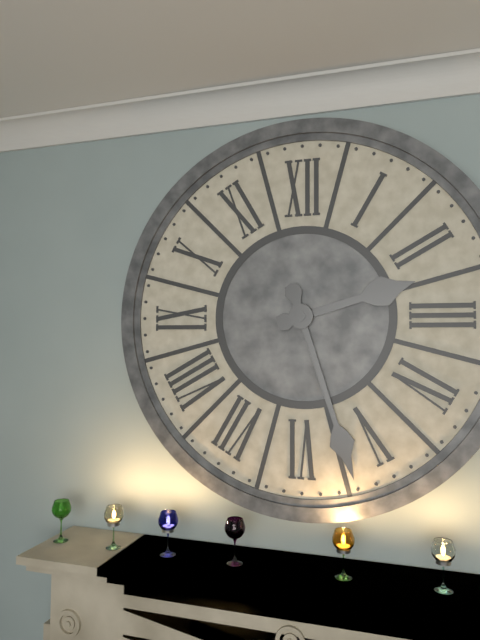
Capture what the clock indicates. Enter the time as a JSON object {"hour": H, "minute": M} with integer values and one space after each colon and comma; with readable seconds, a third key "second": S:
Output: {"hour": 2, "minute": 27}
